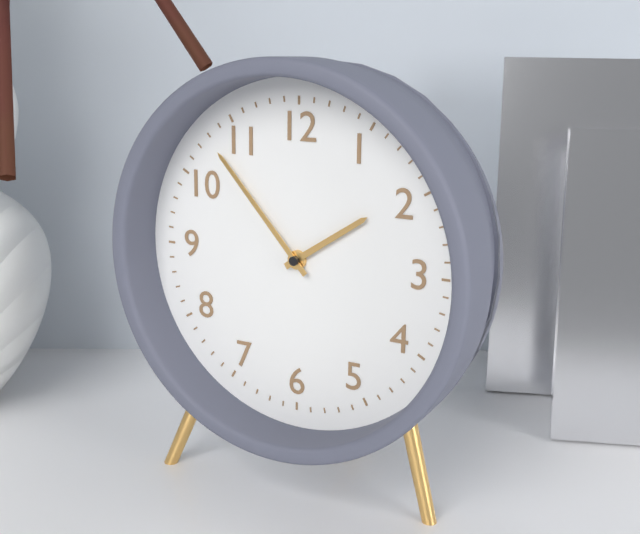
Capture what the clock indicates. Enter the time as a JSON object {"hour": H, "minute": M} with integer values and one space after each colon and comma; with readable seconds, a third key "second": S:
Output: {"hour": 1, "minute": 53}
